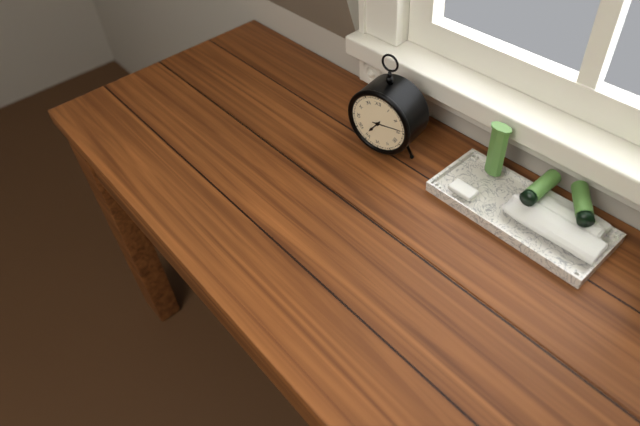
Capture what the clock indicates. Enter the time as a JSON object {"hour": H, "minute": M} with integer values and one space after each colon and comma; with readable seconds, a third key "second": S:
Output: {"hour": 7, "minute": 14}
